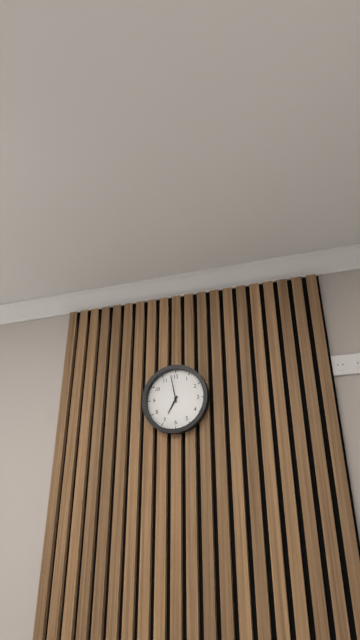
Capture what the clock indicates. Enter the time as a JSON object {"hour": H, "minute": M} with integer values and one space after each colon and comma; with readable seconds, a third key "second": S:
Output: {"hour": 6, "minute": 58}
